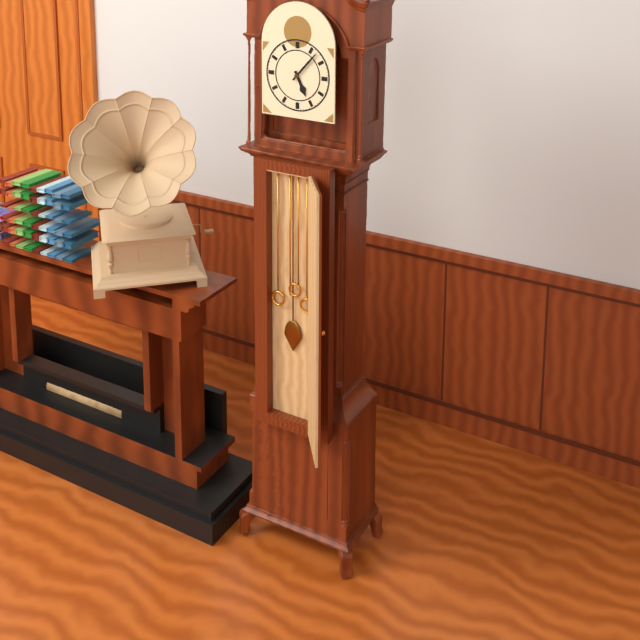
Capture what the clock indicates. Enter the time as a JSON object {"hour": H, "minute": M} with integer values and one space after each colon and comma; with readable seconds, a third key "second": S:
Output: {"hour": 5, "minute": 7}
